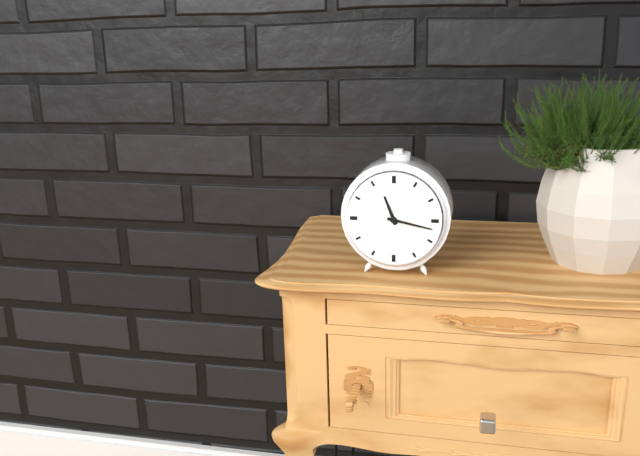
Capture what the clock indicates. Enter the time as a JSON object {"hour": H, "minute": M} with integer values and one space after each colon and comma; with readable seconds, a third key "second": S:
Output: {"hour": 11, "minute": 17}
